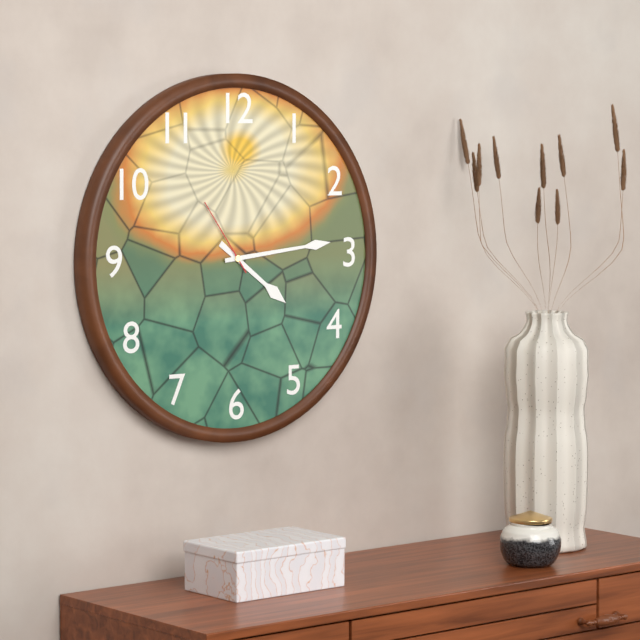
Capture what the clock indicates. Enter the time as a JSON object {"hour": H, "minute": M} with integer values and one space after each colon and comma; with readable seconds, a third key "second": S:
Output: {"hour": 4, "minute": 14, "second": 54}
